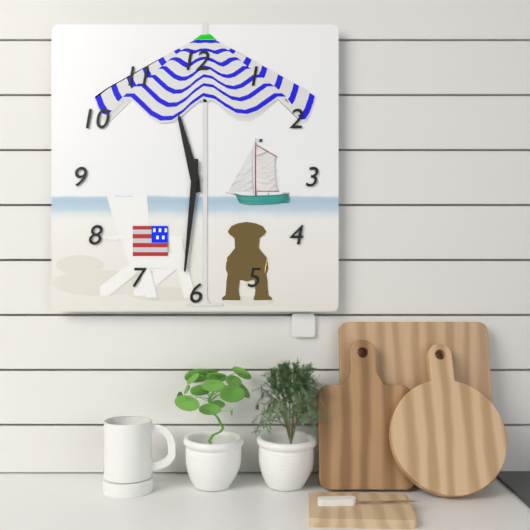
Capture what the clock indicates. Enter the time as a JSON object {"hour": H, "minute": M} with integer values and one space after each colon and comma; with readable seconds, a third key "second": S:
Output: {"hour": 11, "minute": 31}
